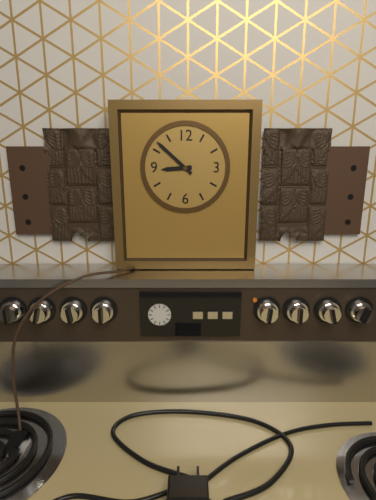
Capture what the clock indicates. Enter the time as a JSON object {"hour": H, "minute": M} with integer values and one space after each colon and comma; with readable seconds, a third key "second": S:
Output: {"hour": 8, "minute": 52}
